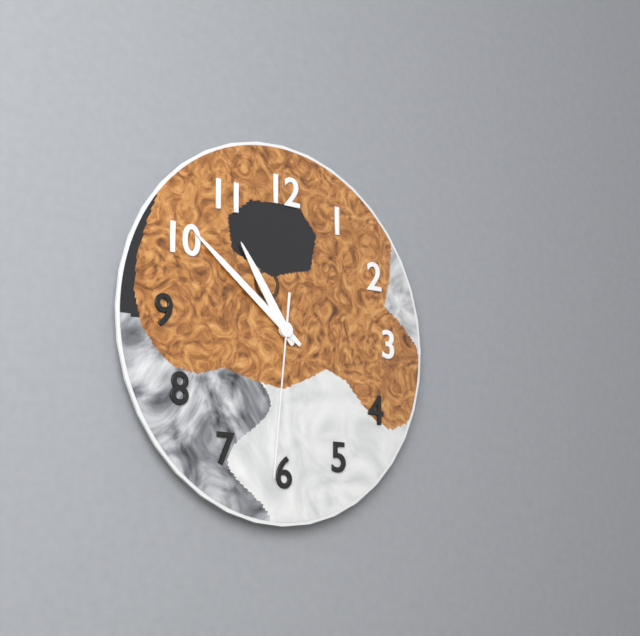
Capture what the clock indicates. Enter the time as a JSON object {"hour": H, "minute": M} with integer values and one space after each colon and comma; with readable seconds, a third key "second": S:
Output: {"hour": 10, "minute": 51, "second": 31}
